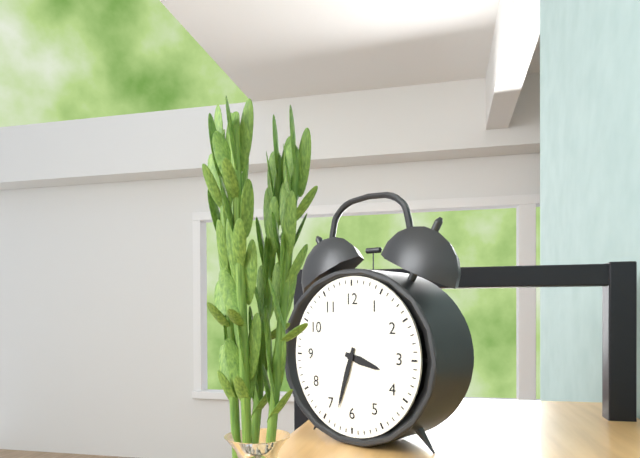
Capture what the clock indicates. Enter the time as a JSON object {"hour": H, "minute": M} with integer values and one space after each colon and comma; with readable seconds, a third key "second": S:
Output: {"hour": 3, "minute": 33}
